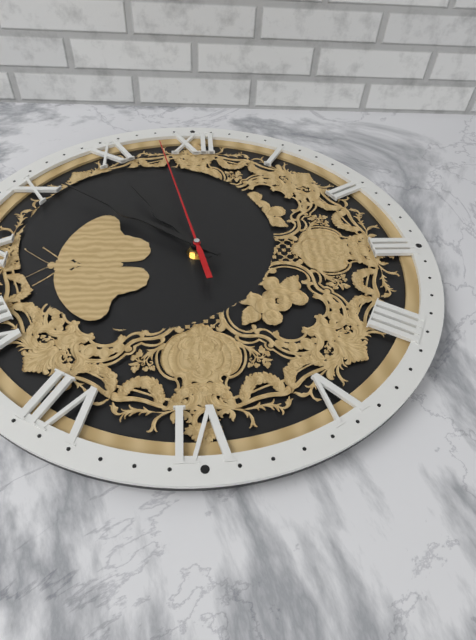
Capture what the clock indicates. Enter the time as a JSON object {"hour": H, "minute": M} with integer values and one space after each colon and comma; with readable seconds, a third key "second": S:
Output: {"hour": 10, "minute": 51, "second": 58}
